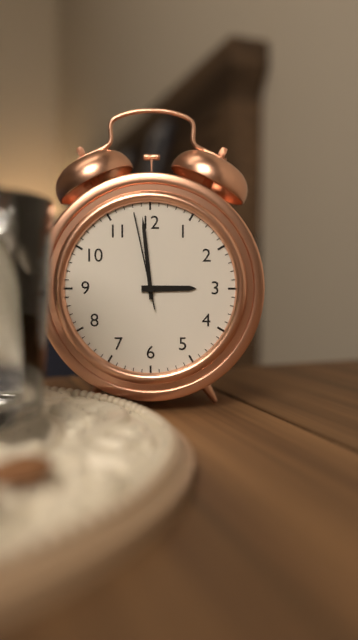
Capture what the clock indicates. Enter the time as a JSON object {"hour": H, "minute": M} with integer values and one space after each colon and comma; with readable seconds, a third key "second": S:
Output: {"hour": 2, "minute": 59, "second": 58}
